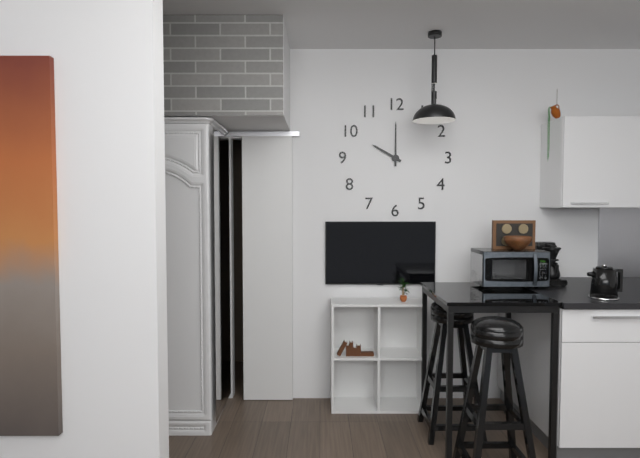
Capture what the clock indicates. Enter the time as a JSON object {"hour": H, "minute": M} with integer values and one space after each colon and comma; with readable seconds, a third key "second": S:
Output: {"hour": 10, "minute": 0}
